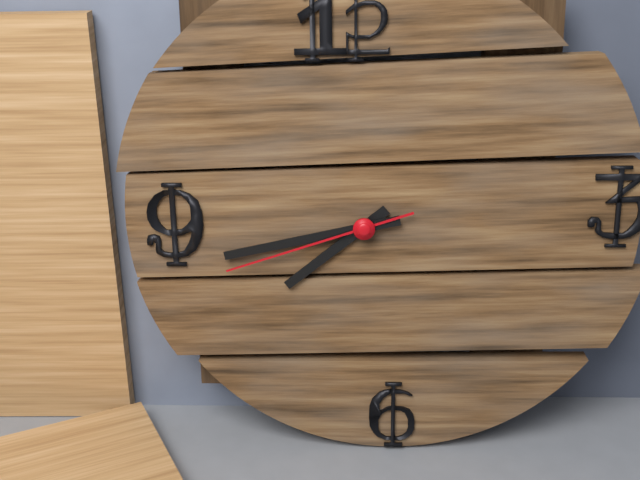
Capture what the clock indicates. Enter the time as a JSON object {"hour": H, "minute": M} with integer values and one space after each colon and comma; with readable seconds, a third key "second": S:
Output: {"hour": 7, "minute": 43, "second": 42}
